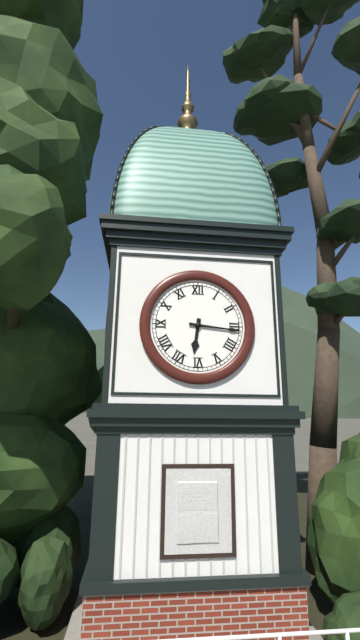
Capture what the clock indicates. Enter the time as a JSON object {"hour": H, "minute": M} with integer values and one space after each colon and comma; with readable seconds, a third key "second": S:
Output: {"hour": 6, "minute": 16}
